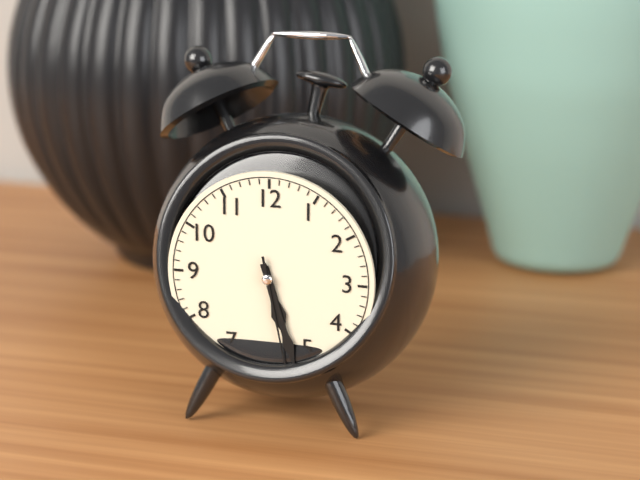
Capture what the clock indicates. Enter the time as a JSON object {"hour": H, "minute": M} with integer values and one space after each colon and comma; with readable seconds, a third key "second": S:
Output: {"hour": 5, "minute": 27, "second": 28}
